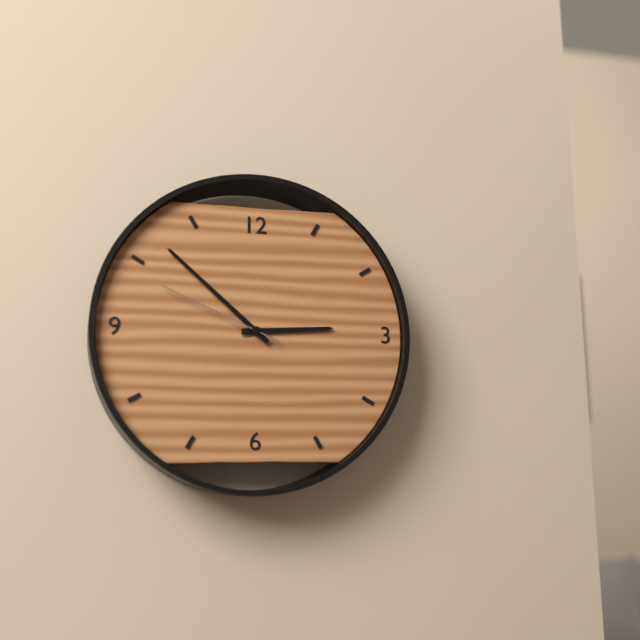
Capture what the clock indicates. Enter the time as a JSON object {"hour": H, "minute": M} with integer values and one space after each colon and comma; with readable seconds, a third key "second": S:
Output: {"hour": 2, "minute": 52, "second": 49}
